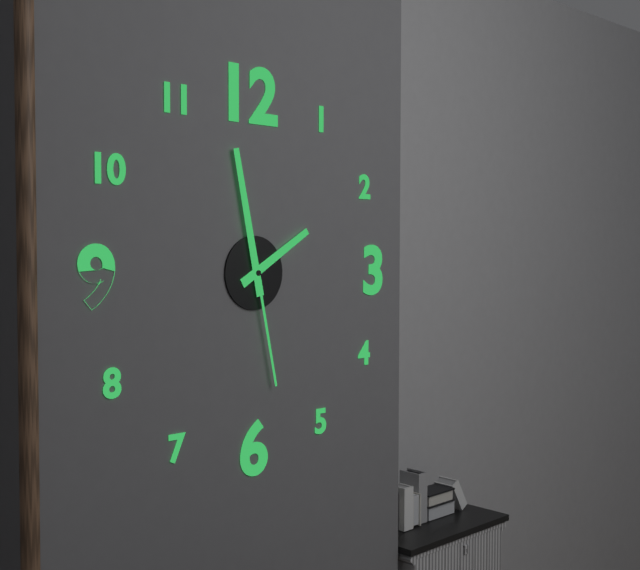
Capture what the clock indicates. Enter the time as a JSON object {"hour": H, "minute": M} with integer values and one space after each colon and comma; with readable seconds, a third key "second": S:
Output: {"hour": 1, "minute": 58, "second": 28}
